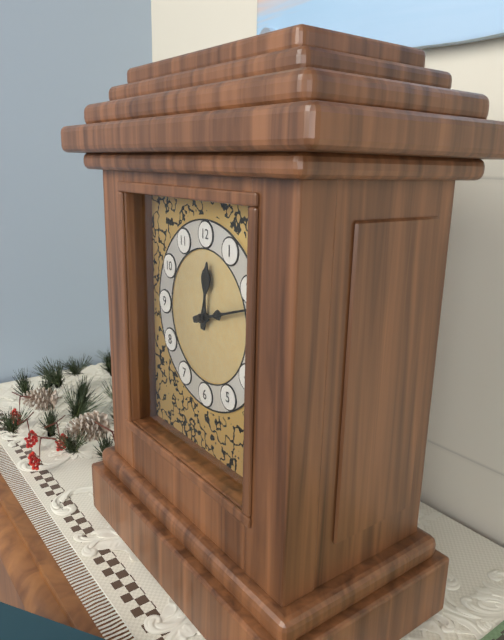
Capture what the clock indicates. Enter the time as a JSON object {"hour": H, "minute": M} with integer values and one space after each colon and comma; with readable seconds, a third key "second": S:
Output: {"hour": 12, "minute": 12}
